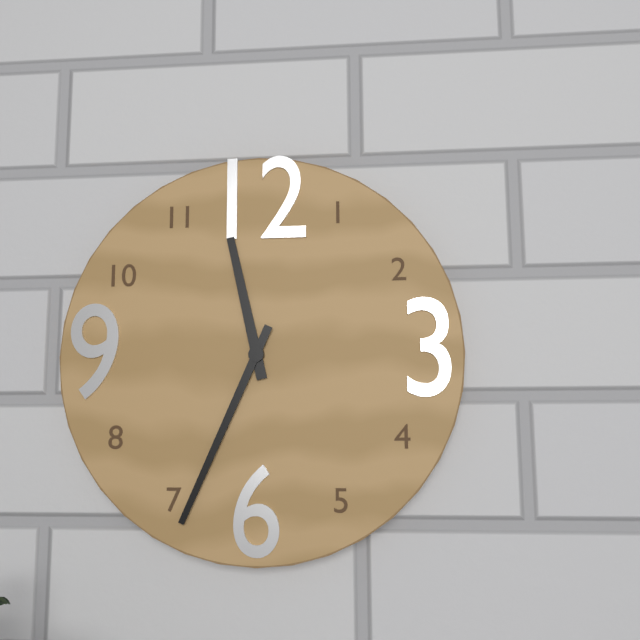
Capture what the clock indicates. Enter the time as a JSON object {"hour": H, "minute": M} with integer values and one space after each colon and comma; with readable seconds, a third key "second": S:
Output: {"hour": 11, "minute": 34}
